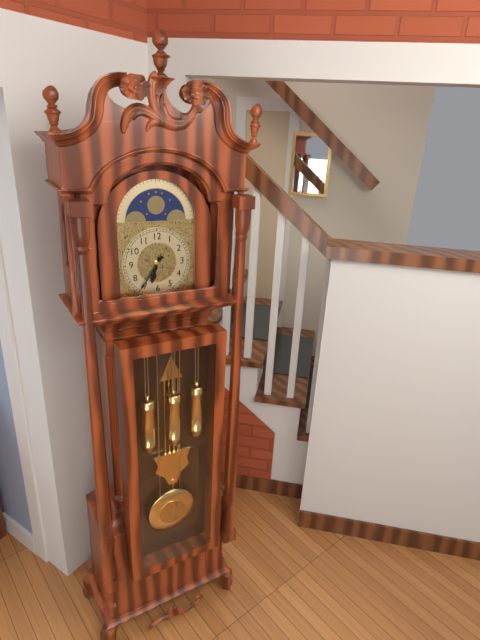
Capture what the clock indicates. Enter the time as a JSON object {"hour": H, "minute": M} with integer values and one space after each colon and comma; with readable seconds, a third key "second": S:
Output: {"hour": 6, "minute": 36}
